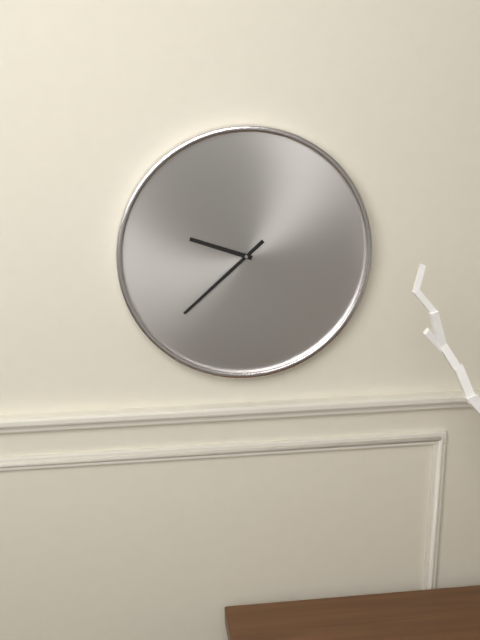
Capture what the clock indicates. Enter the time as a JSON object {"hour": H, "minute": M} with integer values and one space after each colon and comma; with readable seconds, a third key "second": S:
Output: {"hour": 9, "minute": 38}
